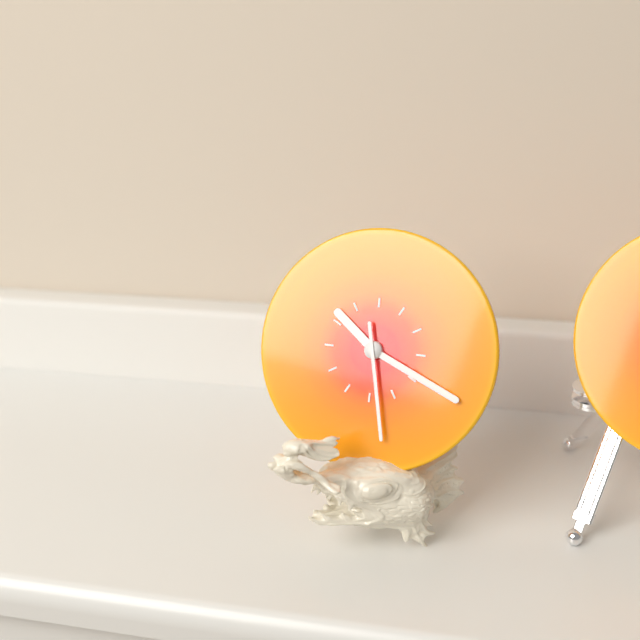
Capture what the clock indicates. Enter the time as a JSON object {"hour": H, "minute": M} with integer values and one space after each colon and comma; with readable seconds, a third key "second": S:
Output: {"hour": 10, "minute": 19, "second": 28}
